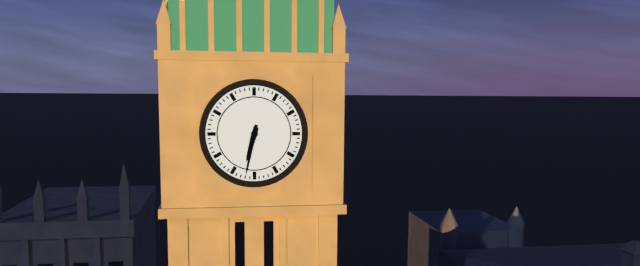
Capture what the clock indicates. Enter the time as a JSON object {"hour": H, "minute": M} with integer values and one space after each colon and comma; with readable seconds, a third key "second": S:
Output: {"hour": 6, "minute": 32}
